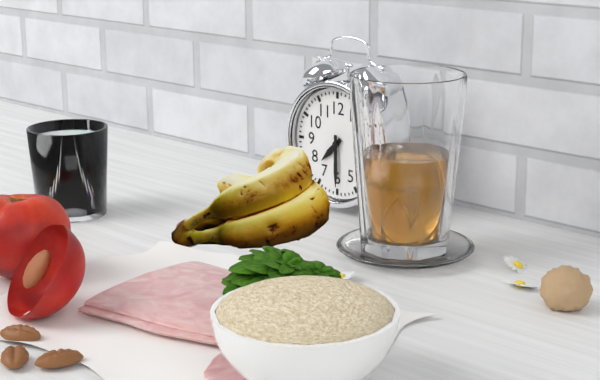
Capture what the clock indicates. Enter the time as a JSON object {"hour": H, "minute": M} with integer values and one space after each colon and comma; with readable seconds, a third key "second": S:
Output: {"hour": 7, "minute": 30}
